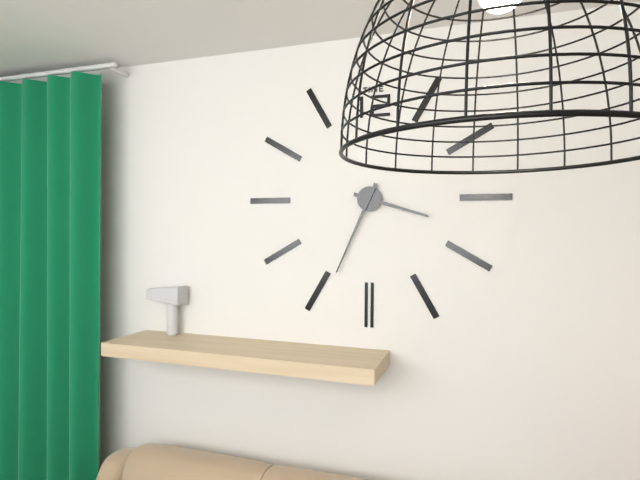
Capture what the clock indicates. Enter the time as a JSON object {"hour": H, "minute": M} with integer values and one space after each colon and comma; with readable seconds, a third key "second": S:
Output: {"hour": 3, "minute": 34}
